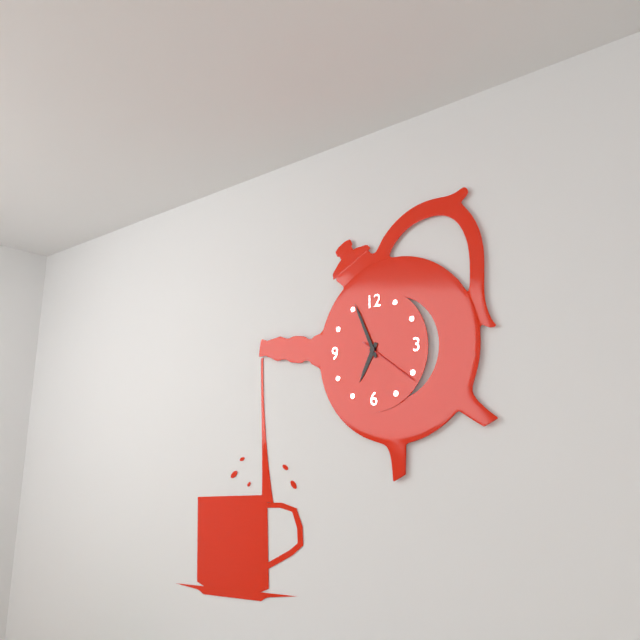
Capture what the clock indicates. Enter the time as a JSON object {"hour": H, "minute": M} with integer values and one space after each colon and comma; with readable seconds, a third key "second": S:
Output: {"hour": 6, "minute": 56, "second": 21}
